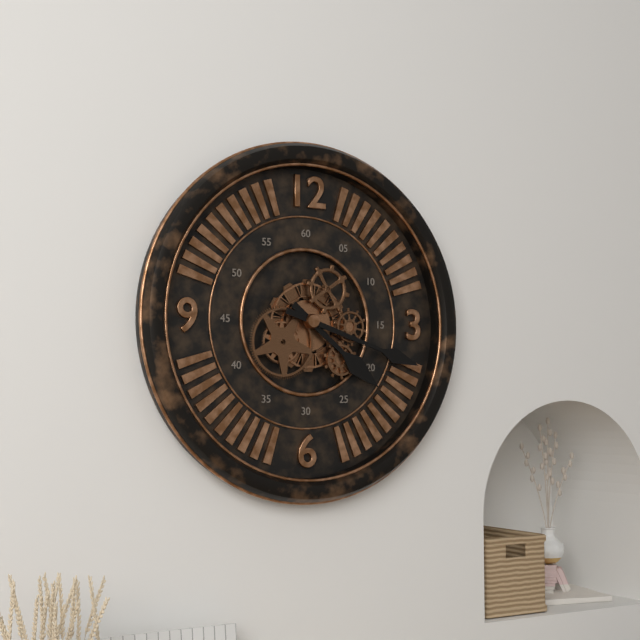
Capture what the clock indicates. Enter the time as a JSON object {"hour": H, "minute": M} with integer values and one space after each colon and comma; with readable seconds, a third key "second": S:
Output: {"hour": 4, "minute": 18}
